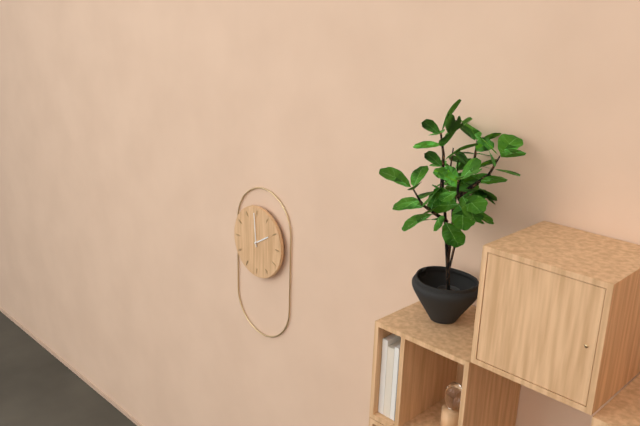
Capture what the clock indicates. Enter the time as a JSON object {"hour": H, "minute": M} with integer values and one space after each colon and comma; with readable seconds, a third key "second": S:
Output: {"hour": 1, "minute": 59}
